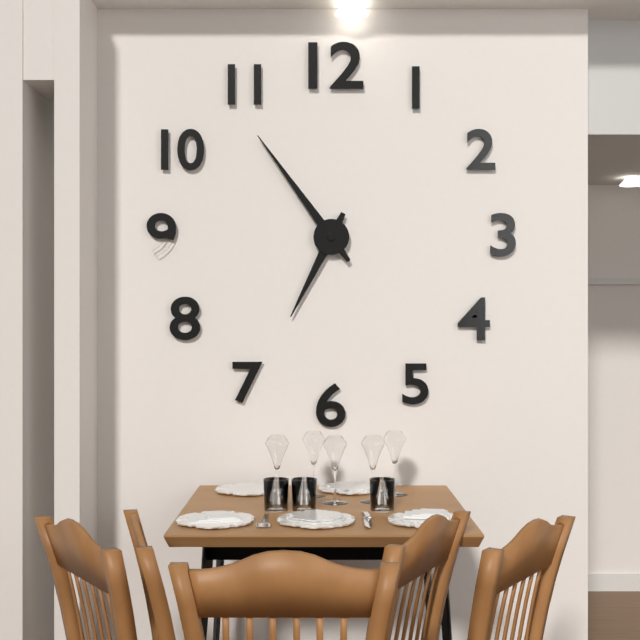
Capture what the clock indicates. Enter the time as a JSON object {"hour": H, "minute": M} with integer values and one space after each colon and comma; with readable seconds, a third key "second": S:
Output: {"hour": 6, "minute": 54}
